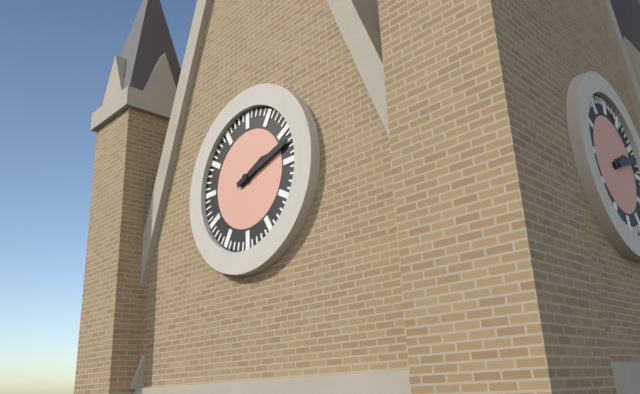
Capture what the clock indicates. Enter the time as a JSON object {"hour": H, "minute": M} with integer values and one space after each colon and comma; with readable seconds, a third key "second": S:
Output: {"hour": 2, "minute": 12}
